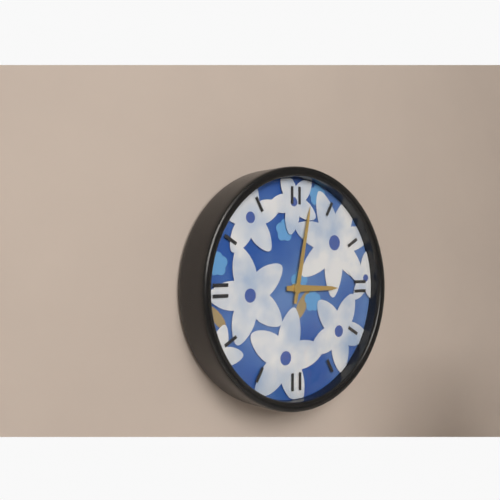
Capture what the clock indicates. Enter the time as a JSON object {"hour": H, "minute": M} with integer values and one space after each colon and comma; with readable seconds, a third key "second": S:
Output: {"hour": 3, "minute": 2}
